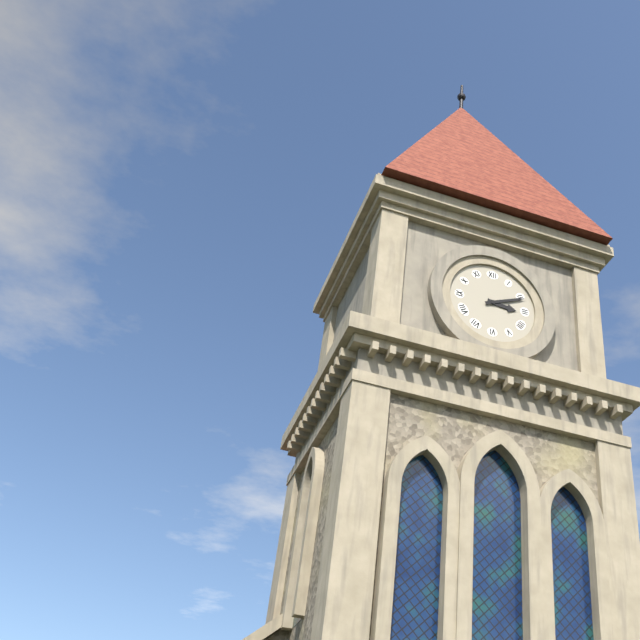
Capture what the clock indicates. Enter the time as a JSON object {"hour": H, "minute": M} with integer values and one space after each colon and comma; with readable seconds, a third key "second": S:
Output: {"hour": 3, "minute": 11}
